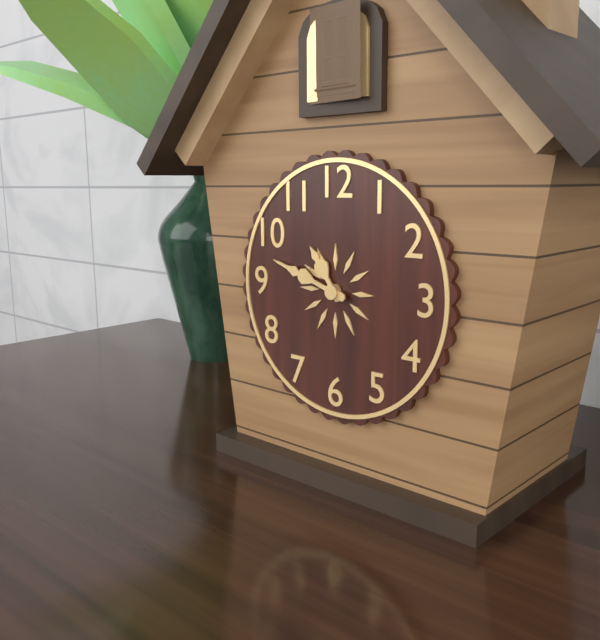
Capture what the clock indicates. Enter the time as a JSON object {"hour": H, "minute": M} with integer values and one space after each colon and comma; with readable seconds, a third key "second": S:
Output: {"hour": 10, "minute": 48}
